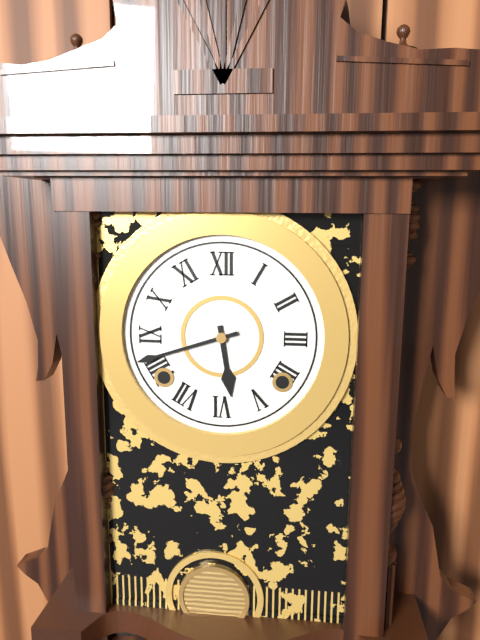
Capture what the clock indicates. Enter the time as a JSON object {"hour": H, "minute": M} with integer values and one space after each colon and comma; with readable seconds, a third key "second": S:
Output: {"hour": 5, "minute": 42}
